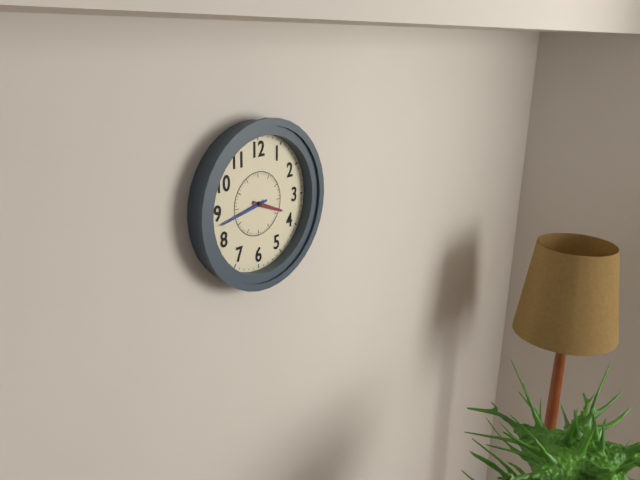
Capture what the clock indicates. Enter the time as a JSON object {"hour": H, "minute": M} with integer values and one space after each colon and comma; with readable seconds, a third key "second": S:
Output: {"hour": 3, "minute": 43}
